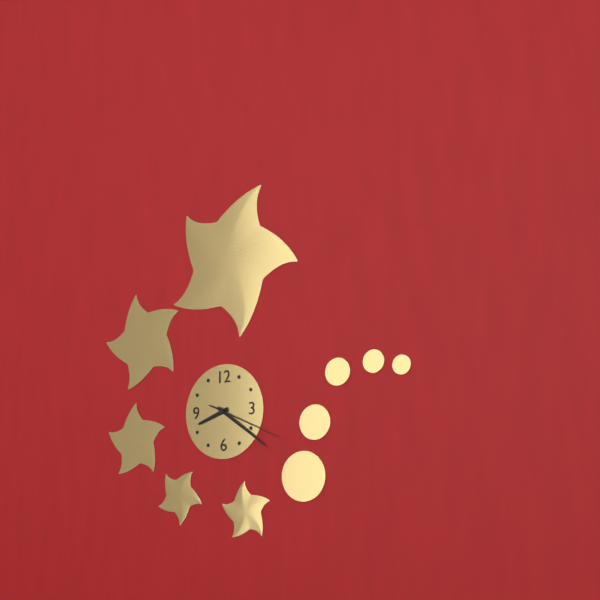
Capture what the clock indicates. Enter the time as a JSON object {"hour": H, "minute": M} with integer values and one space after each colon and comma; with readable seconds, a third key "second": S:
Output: {"hour": 8, "minute": 21, "second": 19}
